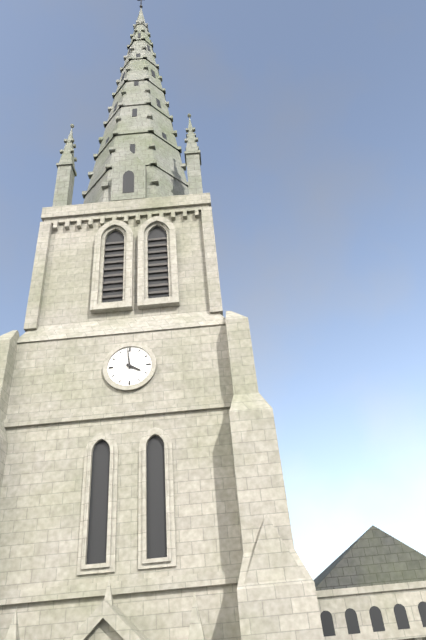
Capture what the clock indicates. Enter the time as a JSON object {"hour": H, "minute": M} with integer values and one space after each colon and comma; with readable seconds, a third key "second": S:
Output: {"hour": 3, "minute": 59}
